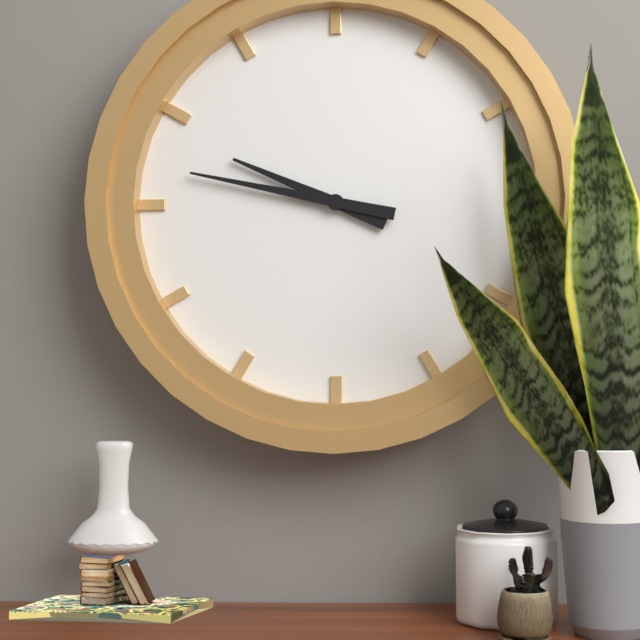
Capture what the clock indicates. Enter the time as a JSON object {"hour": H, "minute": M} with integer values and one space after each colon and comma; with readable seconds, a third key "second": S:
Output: {"hour": 9, "minute": 47}
